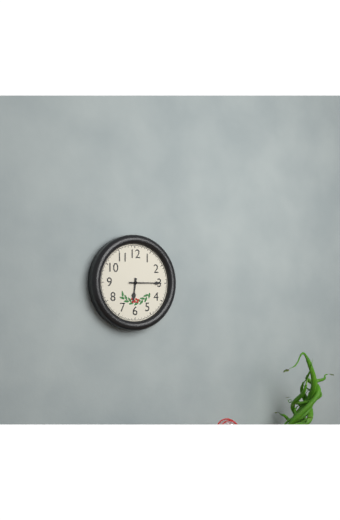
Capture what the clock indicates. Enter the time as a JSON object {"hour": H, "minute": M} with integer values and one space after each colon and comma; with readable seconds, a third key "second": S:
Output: {"hour": 6, "minute": 15}
